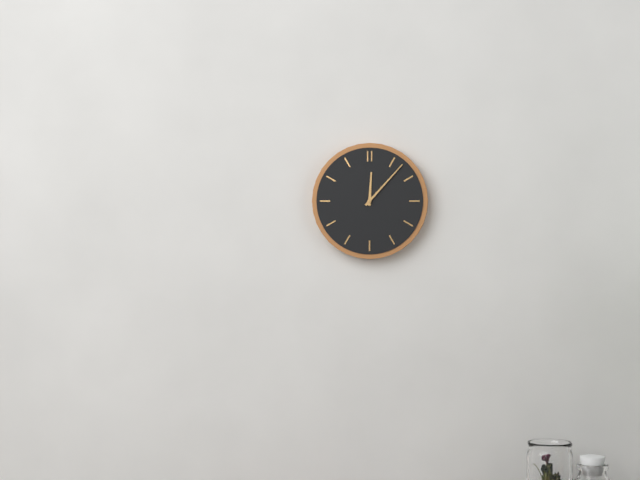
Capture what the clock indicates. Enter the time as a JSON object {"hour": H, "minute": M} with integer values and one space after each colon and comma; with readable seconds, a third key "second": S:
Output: {"hour": 12, "minute": 7}
